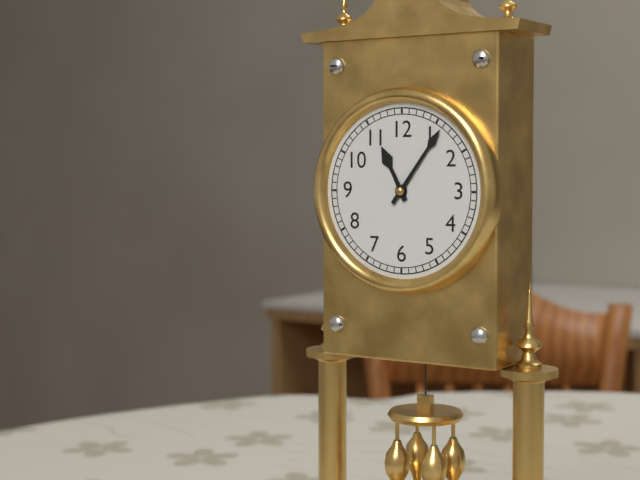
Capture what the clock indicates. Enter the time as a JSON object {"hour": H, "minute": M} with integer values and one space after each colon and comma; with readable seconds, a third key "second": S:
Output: {"hour": 11, "minute": 6}
